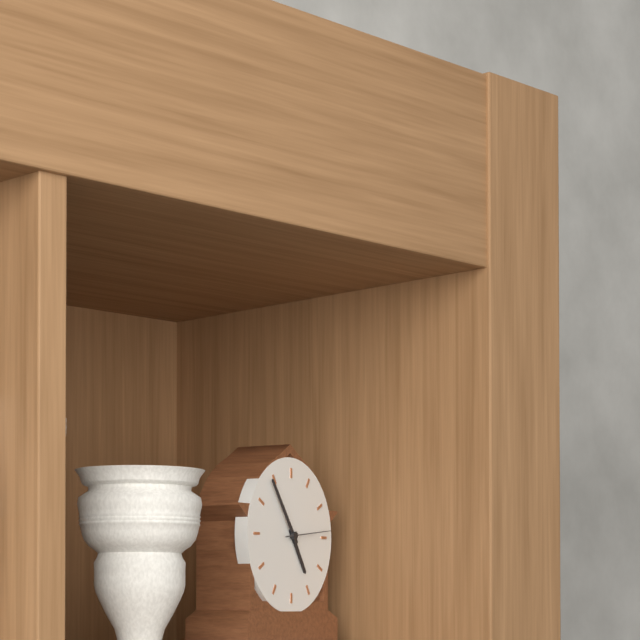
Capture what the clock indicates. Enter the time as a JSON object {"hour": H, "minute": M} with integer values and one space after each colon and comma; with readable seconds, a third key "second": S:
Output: {"hour": 4, "minute": 54, "second": 14}
